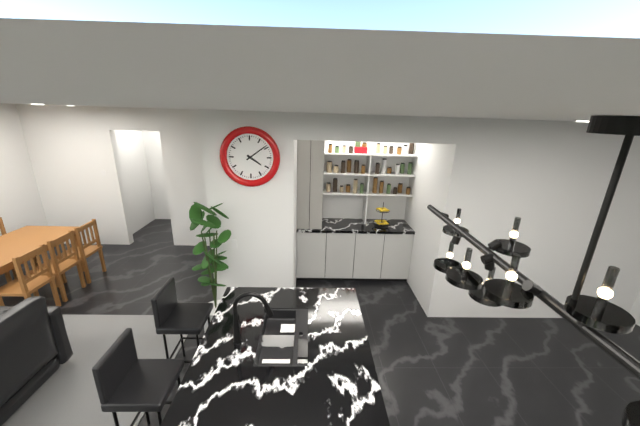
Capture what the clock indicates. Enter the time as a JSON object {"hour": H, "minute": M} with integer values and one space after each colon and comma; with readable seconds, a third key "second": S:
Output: {"hour": 4, "minute": 9}
